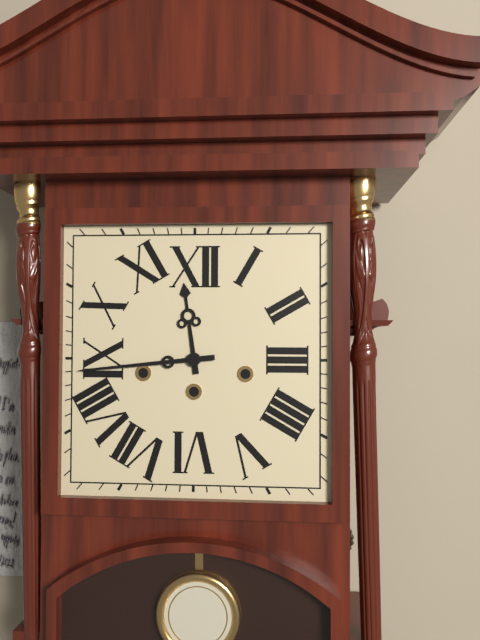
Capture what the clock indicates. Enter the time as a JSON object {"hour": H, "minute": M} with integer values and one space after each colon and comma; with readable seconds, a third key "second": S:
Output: {"hour": 11, "minute": 44}
